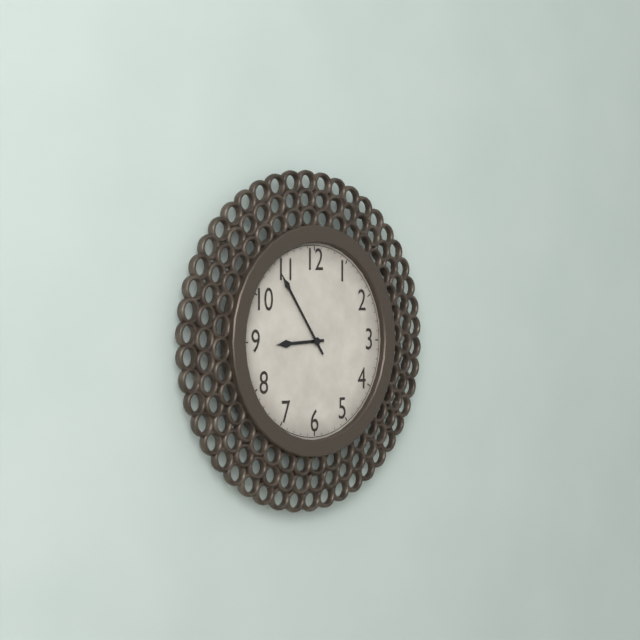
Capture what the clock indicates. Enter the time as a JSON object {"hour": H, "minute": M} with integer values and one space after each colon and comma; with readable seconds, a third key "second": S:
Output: {"hour": 8, "minute": 54}
